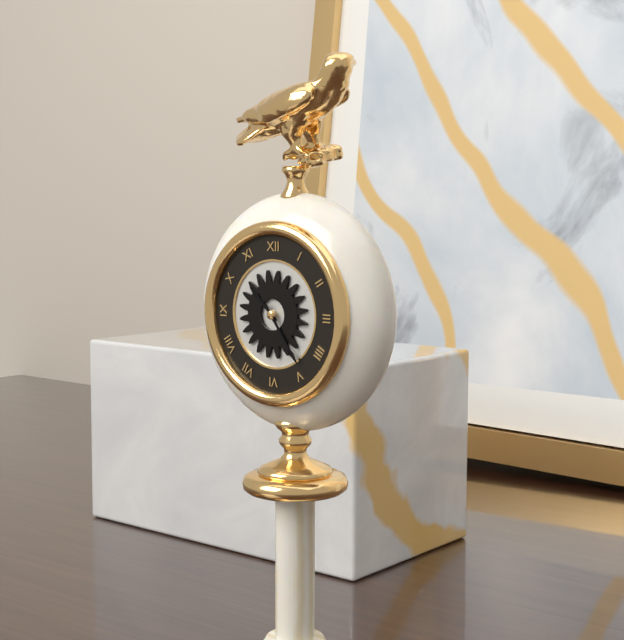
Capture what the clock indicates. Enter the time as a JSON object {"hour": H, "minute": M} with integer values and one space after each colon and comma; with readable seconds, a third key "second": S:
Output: {"hour": 10, "minute": 24}
